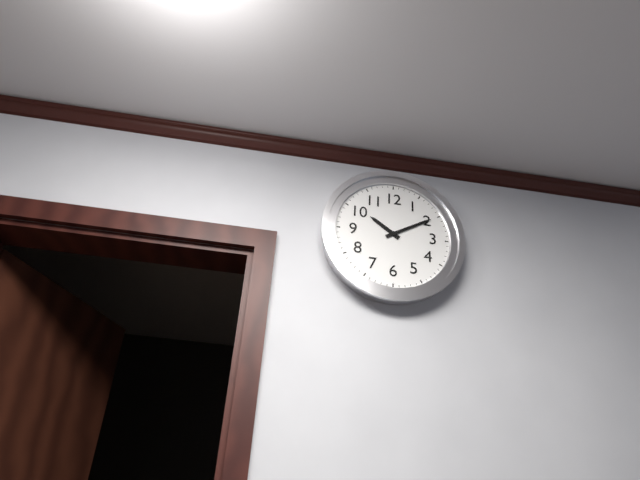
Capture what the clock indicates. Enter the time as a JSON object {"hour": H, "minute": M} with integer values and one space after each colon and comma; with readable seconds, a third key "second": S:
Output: {"hour": 10, "minute": 10}
